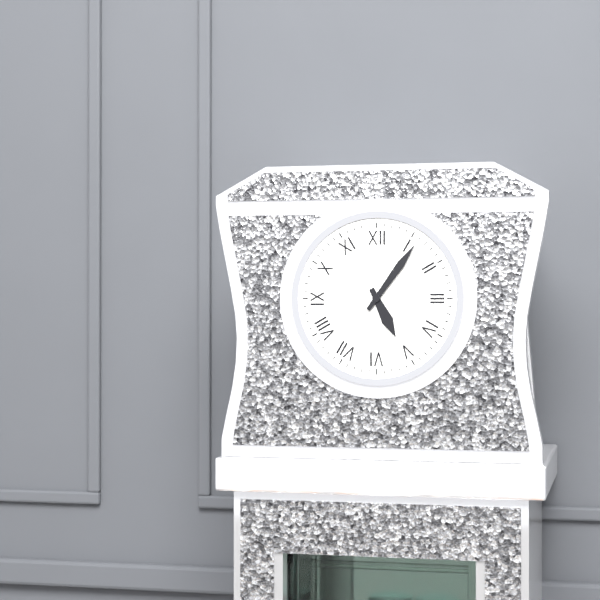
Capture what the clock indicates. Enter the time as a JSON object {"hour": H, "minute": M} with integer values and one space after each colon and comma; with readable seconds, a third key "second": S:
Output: {"hour": 5, "minute": 6}
